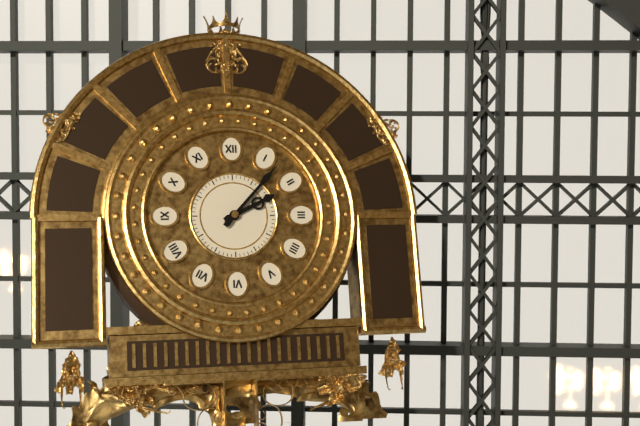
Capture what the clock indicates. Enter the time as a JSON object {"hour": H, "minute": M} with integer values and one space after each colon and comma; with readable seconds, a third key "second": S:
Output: {"hour": 2, "minute": 7}
